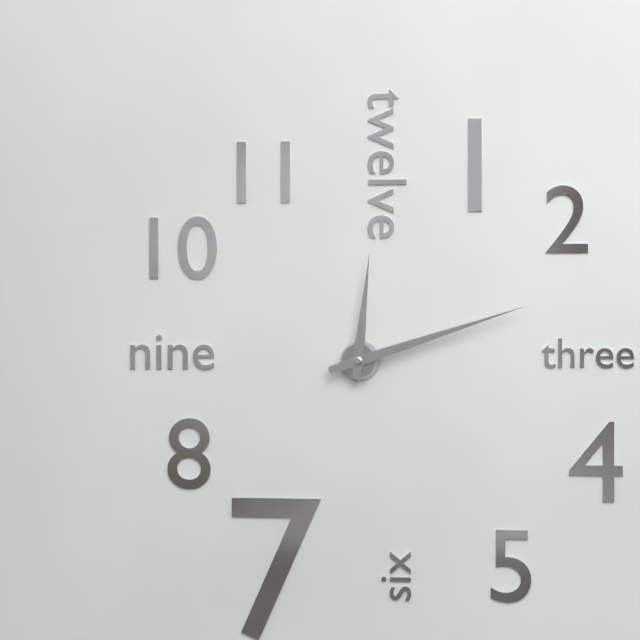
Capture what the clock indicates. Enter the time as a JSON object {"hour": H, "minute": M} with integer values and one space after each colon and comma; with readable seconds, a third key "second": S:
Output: {"hour": 12, "minute": 12}
